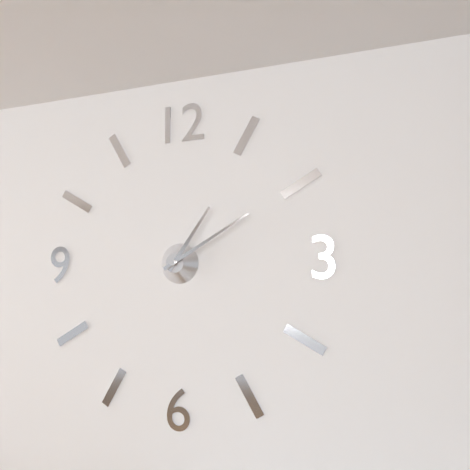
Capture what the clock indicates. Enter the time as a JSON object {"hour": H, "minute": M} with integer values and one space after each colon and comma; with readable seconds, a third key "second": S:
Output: {"hour": 1, "minute": 10}
